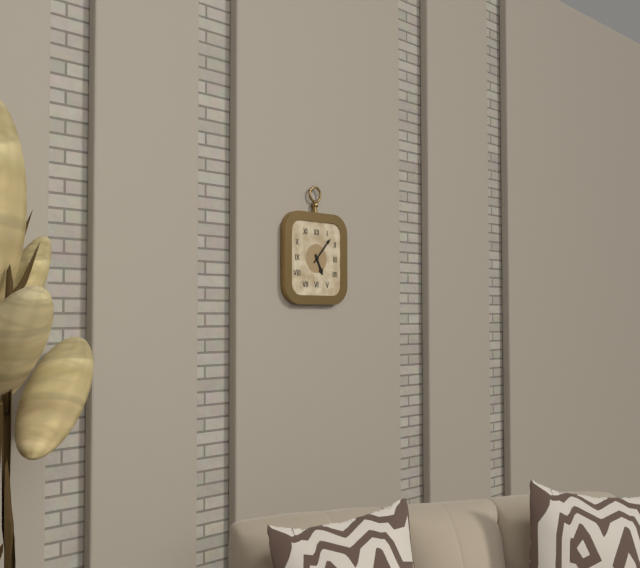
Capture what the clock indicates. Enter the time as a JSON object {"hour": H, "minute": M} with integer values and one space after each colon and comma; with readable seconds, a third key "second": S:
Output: {"hour": 5, "minute": 7}
